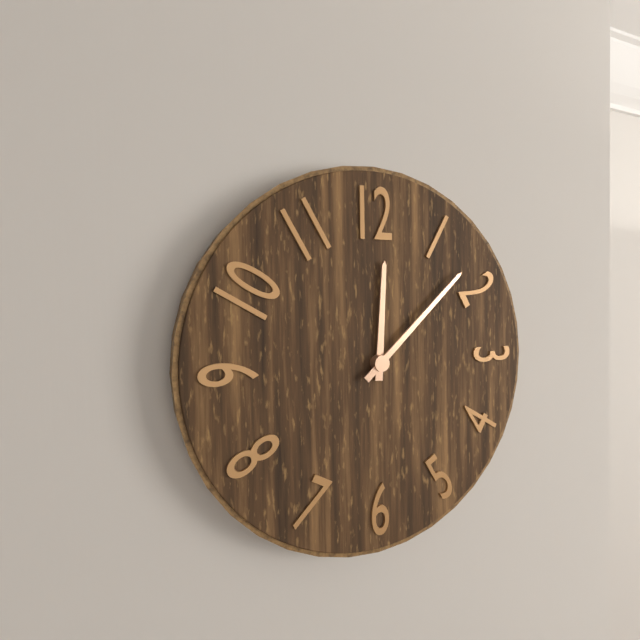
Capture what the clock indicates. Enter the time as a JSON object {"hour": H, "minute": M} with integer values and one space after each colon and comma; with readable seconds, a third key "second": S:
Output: {"hour": 12, "minute": 8}
